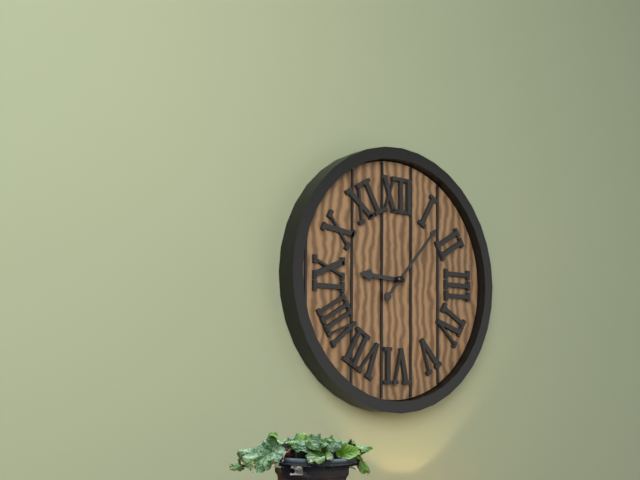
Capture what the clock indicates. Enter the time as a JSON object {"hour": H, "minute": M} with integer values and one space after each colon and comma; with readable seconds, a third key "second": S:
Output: {"hour": 9, "minute": 7}
